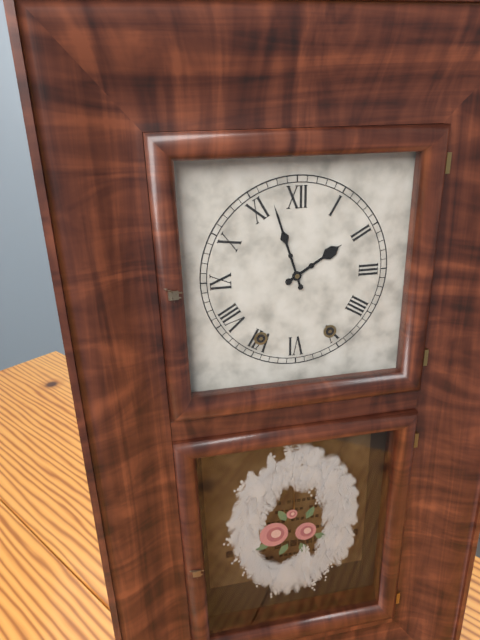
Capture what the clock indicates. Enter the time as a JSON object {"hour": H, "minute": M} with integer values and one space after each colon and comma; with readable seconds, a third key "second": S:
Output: {"hour": 1, "minute": 57}
